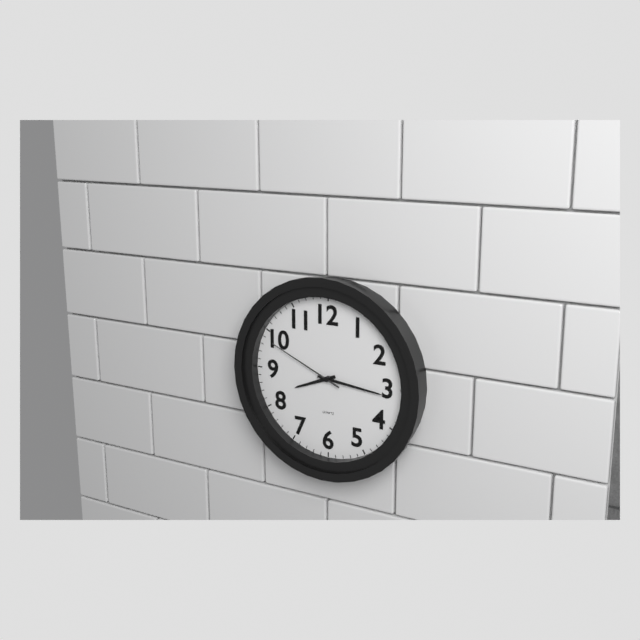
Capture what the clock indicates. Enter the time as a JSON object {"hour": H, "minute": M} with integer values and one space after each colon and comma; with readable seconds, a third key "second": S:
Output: {"hour": 8, "minute": 16, "second": 49}
